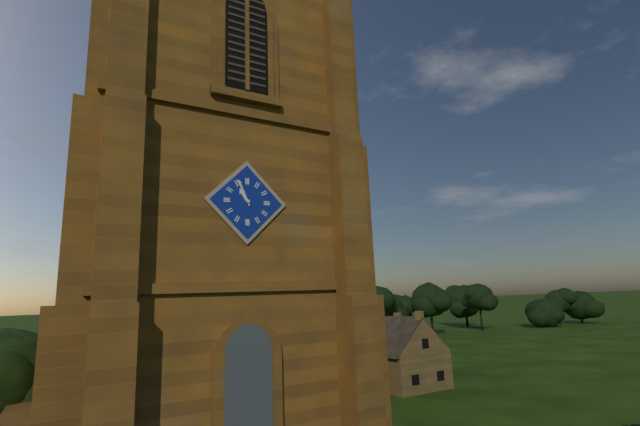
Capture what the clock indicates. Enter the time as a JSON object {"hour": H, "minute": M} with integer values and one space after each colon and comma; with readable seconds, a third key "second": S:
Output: {"hour": 10, "minute": 56}
